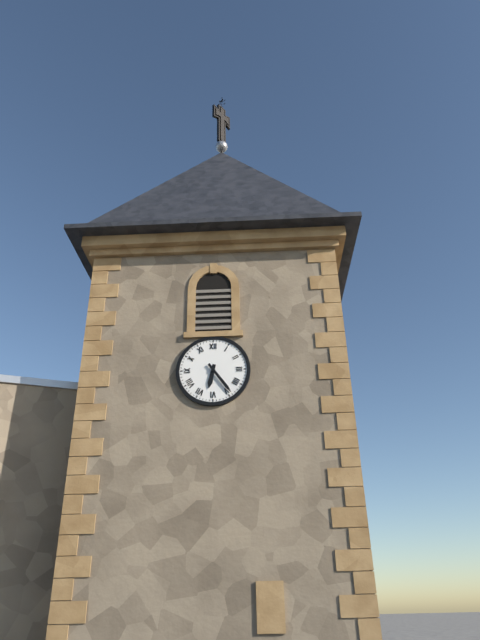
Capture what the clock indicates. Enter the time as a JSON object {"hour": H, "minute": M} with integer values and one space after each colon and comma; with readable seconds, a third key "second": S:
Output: {"hour": 6, "minute": 24}
